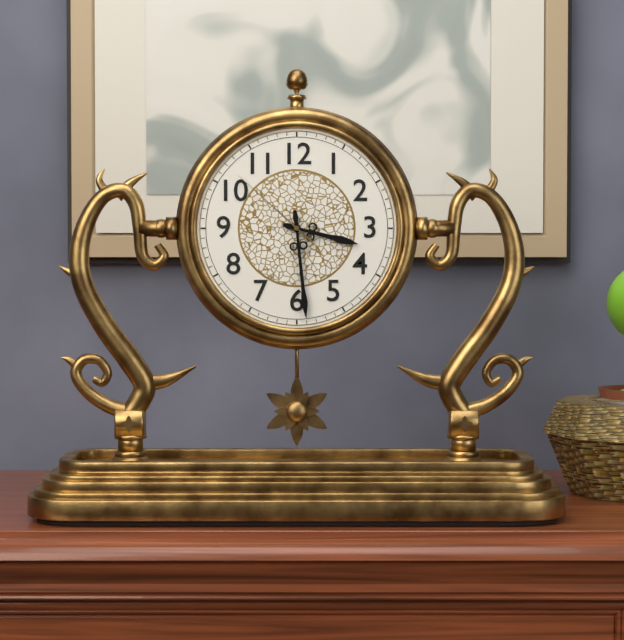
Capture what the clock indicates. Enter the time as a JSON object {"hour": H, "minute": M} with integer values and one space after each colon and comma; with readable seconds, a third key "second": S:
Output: {"hour": 3, "minute": 29, "second": 52}
